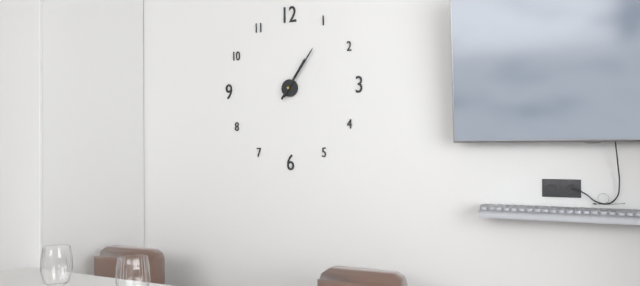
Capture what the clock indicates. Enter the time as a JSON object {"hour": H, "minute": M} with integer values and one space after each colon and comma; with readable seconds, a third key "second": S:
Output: {"hour": 1, "minute": 6}
